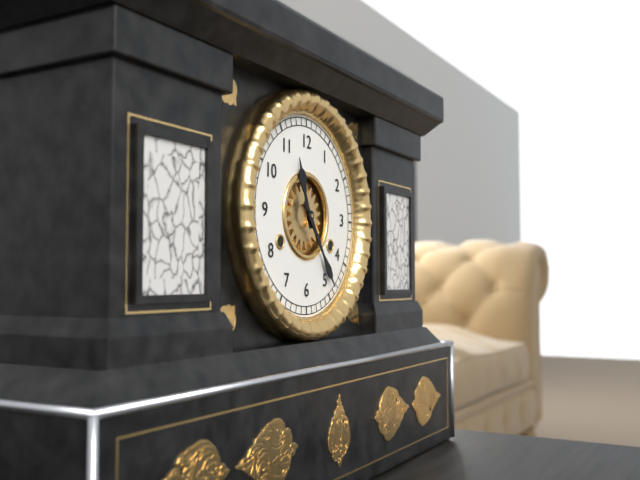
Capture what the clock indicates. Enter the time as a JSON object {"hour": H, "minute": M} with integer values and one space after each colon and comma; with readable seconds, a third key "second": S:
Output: {"hour": 11, "minute": 24}
